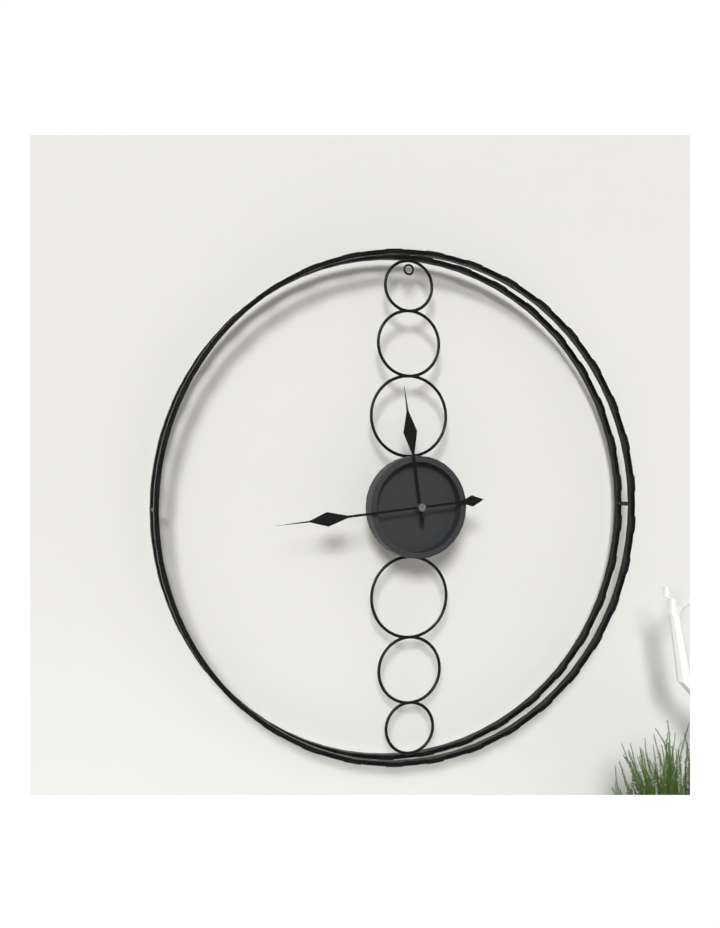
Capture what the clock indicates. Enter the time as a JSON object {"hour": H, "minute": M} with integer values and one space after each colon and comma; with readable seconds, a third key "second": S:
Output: {"hour": 11, "minute": 44}
